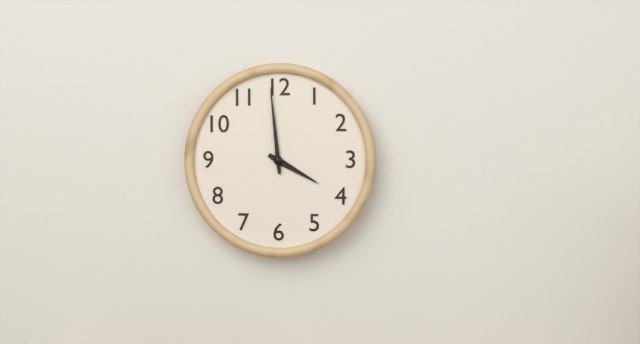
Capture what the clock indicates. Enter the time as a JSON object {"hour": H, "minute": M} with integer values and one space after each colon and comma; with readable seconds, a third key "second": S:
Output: {"hour": 3, "minute": 59}
